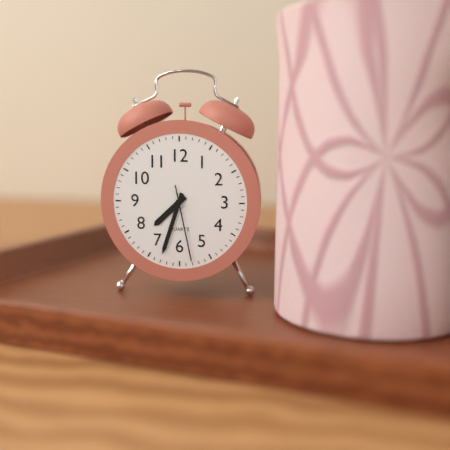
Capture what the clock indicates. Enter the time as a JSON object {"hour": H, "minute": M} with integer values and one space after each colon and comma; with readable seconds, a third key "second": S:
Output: {"hour": 7, "minute": 33, "second": 28}
